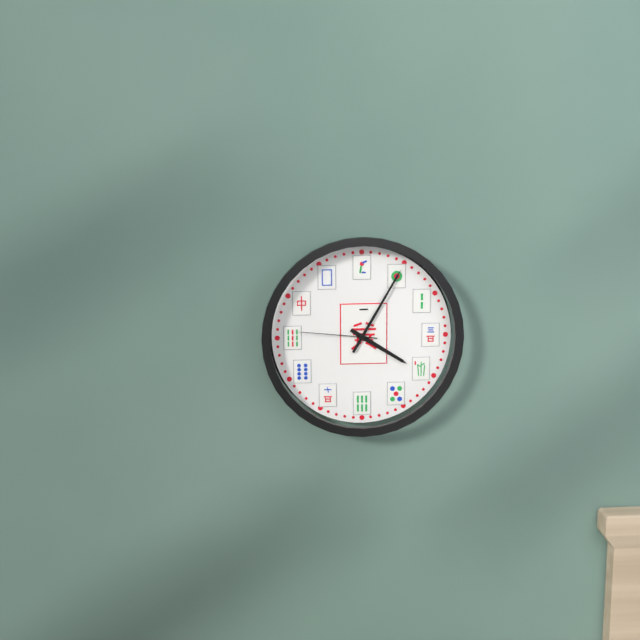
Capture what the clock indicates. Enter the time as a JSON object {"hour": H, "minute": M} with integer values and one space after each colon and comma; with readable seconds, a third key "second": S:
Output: {"hour": 4, "minute": 5, "second": 46}
